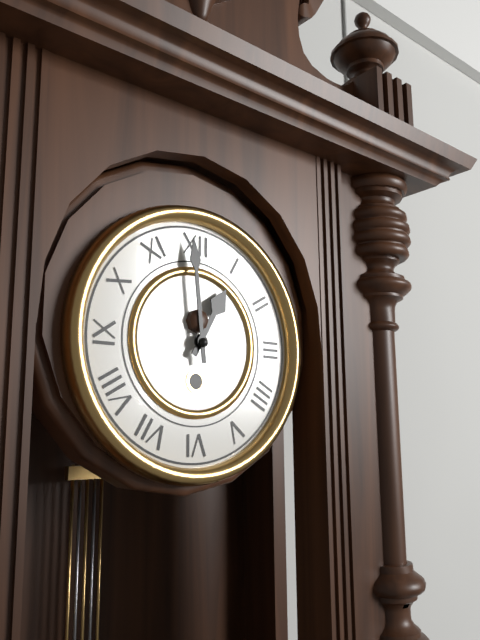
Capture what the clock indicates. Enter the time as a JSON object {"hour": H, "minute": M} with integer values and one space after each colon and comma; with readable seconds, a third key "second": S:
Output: {"hour": 12, "minute": 59}
